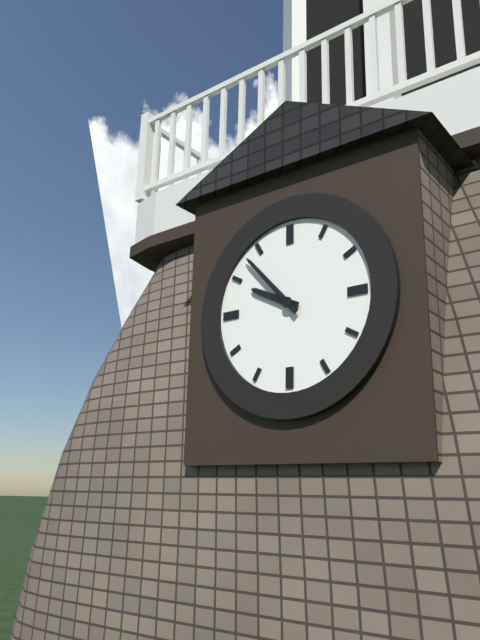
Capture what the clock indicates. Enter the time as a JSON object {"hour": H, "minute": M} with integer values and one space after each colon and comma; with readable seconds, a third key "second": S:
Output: {"hour": 9, "minute": 53}
